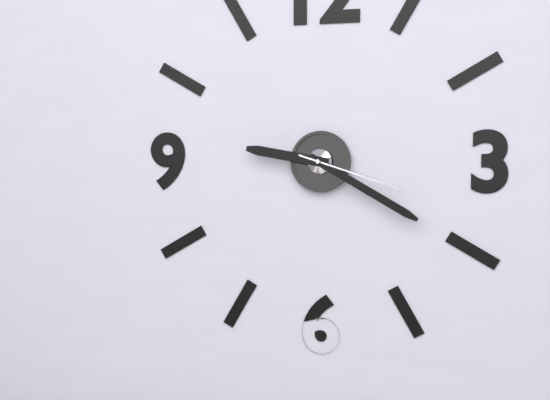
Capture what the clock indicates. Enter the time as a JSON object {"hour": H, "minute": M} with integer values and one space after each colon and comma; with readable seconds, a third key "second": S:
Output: {"hour": 9, "minute": 20, "second": 18}
